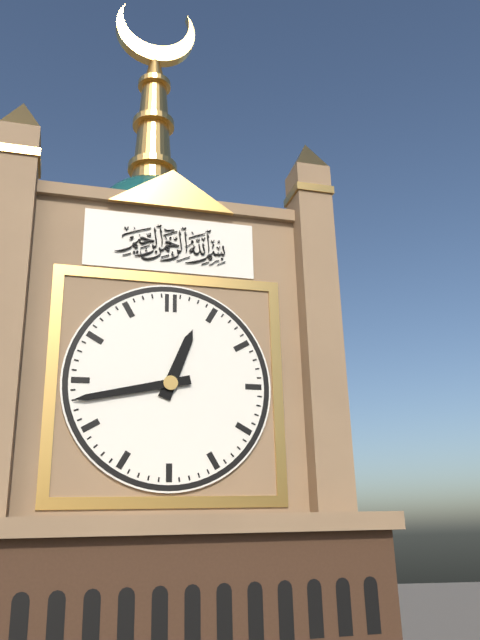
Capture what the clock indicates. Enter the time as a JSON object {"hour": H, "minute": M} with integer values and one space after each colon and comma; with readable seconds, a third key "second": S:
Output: {"hour": 12, "minute": 43}
